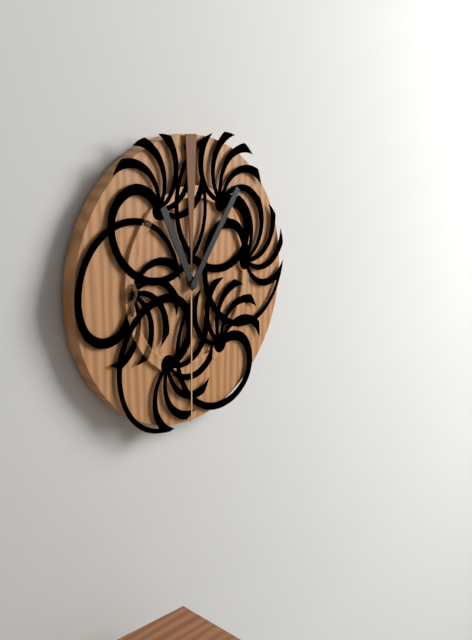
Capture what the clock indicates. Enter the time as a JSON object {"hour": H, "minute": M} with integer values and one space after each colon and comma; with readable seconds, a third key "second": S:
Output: {"hour": 11, "minute": 6}
